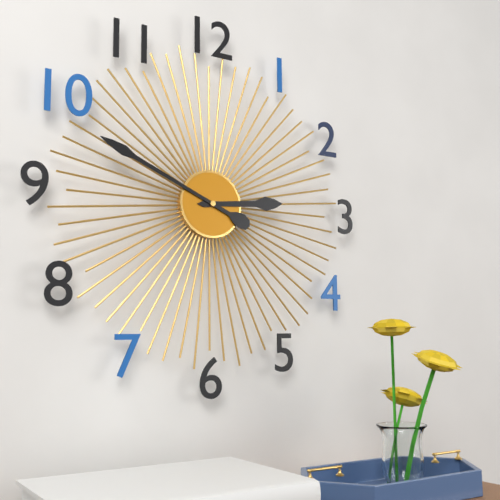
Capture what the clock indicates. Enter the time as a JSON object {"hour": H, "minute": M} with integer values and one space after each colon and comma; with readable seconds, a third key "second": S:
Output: {"hour": 2, "minute": 49}
